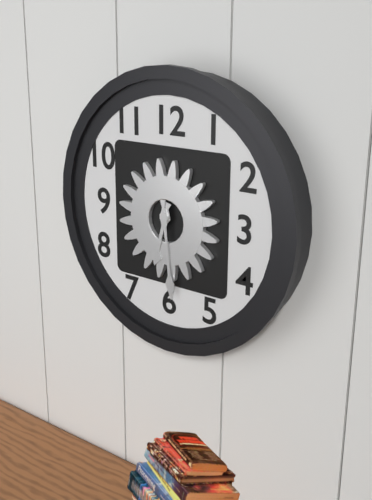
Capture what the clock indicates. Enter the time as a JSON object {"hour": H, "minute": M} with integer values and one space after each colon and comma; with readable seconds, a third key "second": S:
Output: {"hour": 6, "minute": 29}
